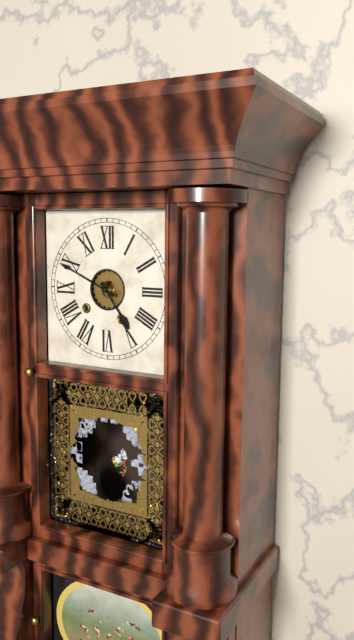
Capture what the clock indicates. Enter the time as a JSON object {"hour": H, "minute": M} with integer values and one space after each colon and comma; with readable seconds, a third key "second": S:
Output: {"hour": 4, "minute": 49}
